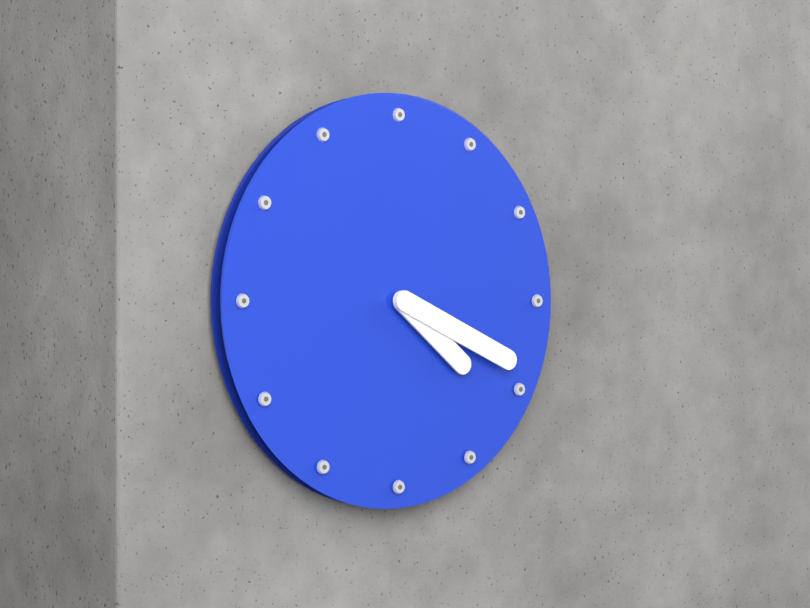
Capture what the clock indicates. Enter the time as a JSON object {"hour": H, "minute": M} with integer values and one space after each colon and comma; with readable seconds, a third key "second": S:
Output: {"hour": 4, "minute": 19}
